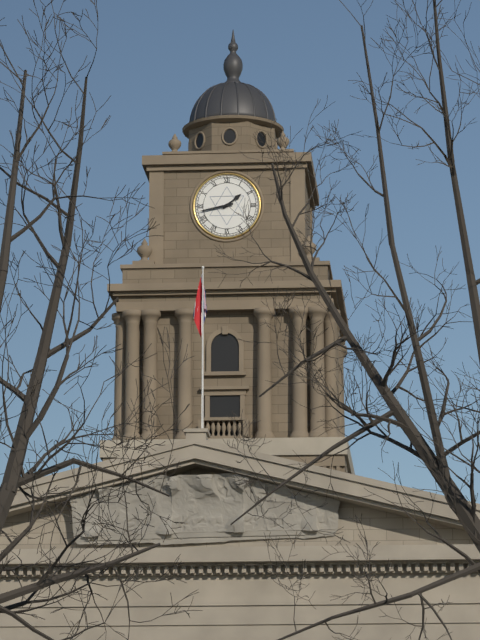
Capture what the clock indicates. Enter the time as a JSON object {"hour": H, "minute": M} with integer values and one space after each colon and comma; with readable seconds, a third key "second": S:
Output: {"hour": 1, "minute": 43}
